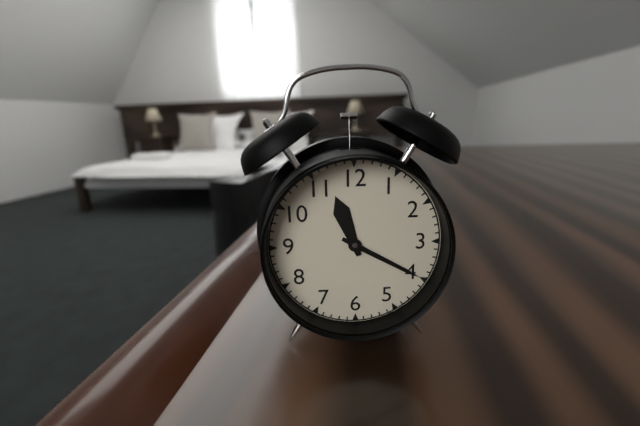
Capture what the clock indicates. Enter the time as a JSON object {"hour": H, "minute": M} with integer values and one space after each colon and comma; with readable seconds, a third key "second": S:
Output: {"hour": 11, "minute": 20}
